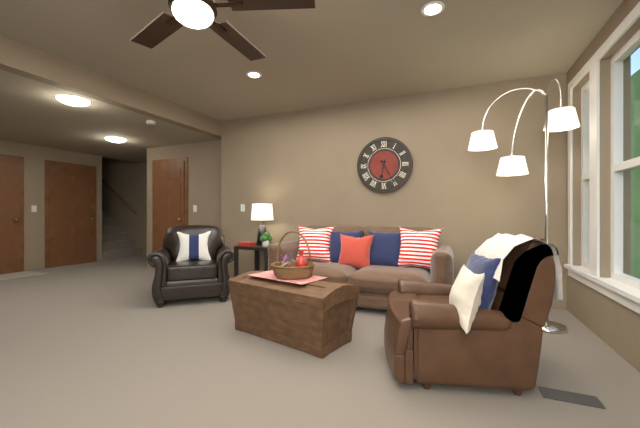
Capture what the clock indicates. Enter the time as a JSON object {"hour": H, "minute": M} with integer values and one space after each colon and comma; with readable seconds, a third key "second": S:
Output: {"hour": 6, "minute": 25}
